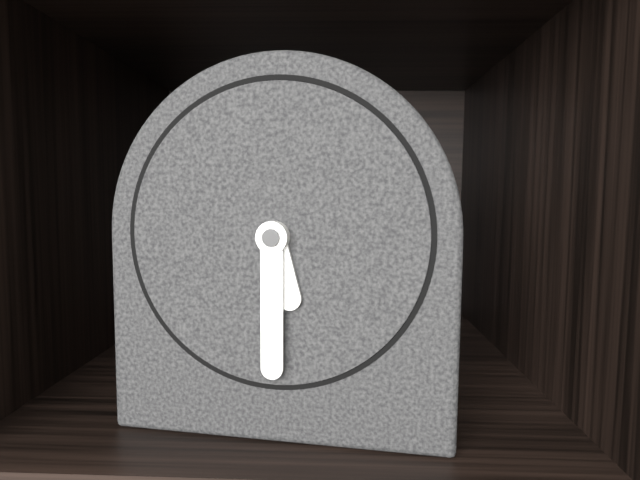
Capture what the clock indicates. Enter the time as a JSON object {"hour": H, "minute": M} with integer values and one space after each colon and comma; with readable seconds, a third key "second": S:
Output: {"hour": 5, "minute": 30}
